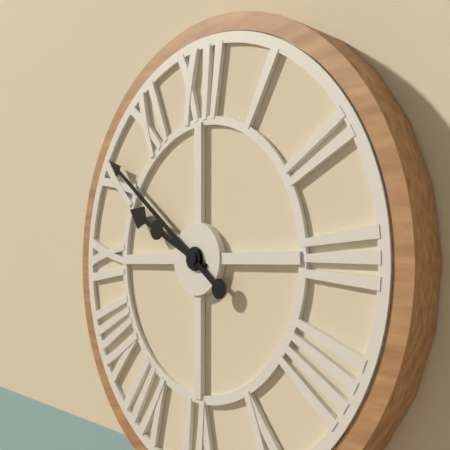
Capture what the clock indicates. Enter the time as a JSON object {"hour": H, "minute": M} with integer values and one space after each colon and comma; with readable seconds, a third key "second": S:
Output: {"hour": 9, "minute": 51}
